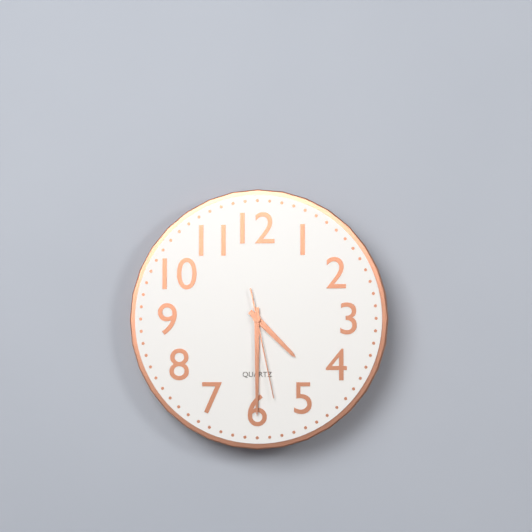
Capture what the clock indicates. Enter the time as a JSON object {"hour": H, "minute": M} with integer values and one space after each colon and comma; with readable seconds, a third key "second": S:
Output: {"hour": 4, "minute": 30, "second": 28}
